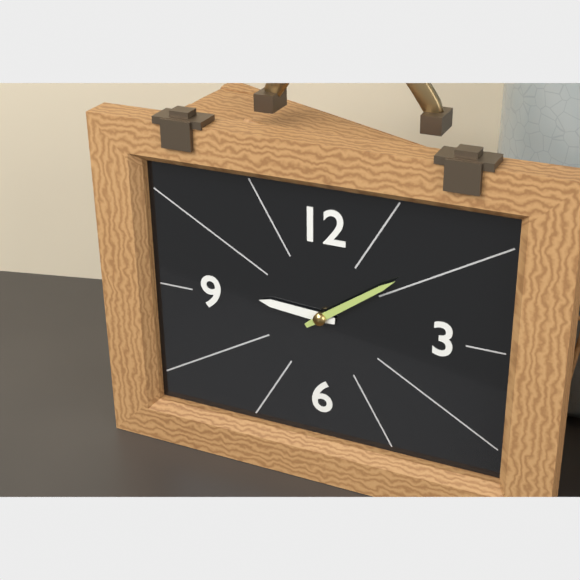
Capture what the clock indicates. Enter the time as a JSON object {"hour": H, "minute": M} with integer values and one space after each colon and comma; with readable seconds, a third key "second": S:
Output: {"hour": 9, "minute": 9}
